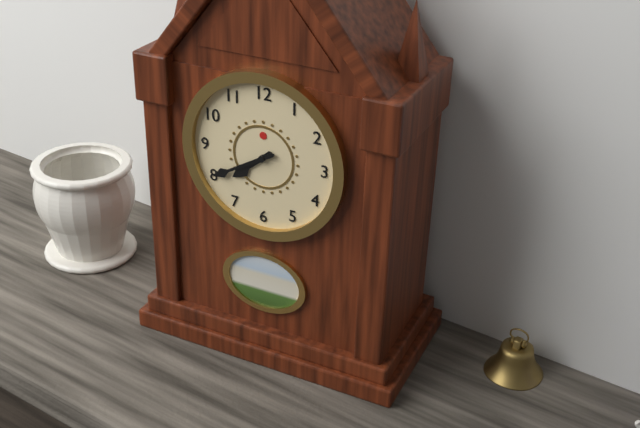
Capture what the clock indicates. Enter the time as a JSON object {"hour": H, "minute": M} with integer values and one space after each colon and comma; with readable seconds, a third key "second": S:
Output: {"hour": 7, "minute": 40}
